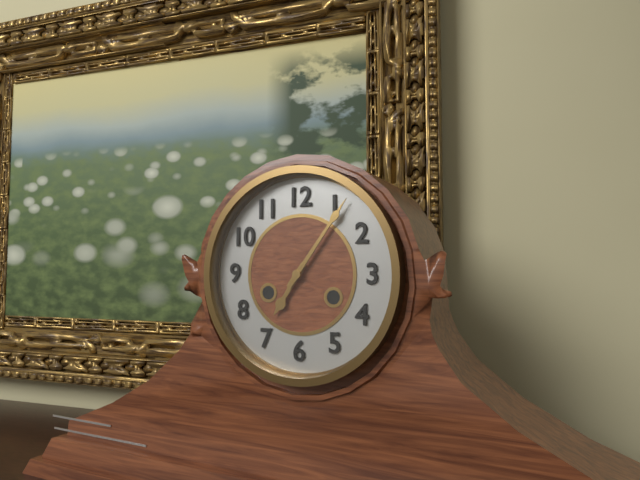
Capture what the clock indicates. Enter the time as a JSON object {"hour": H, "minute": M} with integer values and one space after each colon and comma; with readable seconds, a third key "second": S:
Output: {"hour": 7, "minute": 6}
